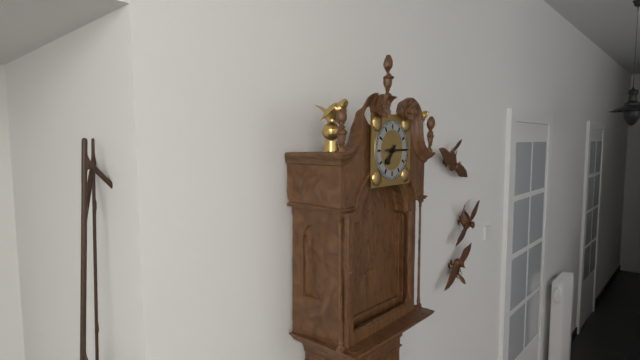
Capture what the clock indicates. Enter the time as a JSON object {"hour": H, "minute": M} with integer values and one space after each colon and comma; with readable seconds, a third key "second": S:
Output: {"hour": 7, "minute": 15}
